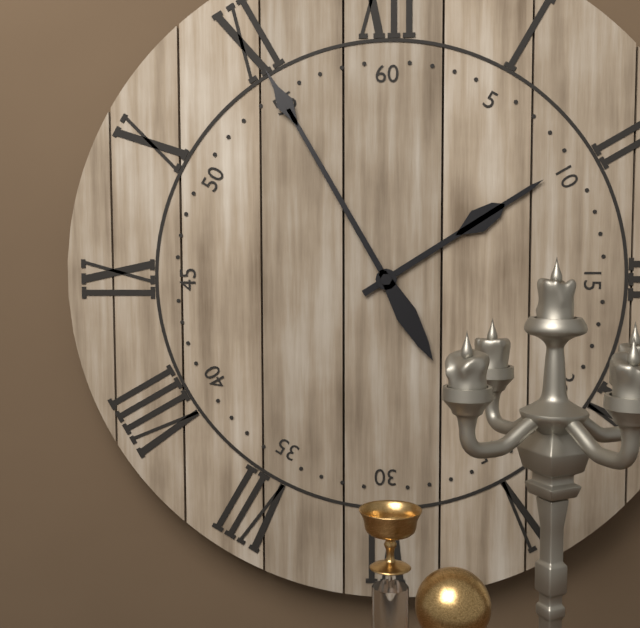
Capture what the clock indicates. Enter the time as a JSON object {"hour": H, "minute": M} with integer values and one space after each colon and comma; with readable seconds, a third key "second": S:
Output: {"hour": 1, "minute": 55}
